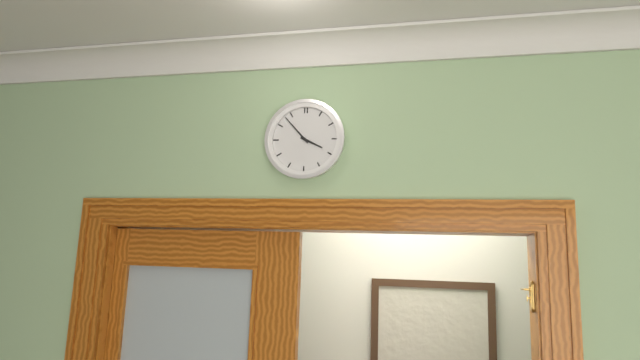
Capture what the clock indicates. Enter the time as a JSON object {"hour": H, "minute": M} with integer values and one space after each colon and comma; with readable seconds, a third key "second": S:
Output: {"hour": 3, "minute": 53}
